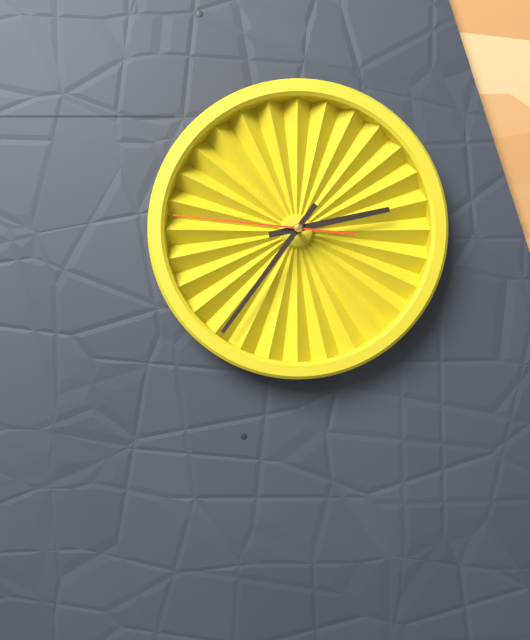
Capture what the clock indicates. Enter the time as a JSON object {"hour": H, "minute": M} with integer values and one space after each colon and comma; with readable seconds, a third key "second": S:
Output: {"hour": 2, "minute": 36, "second": 46}
